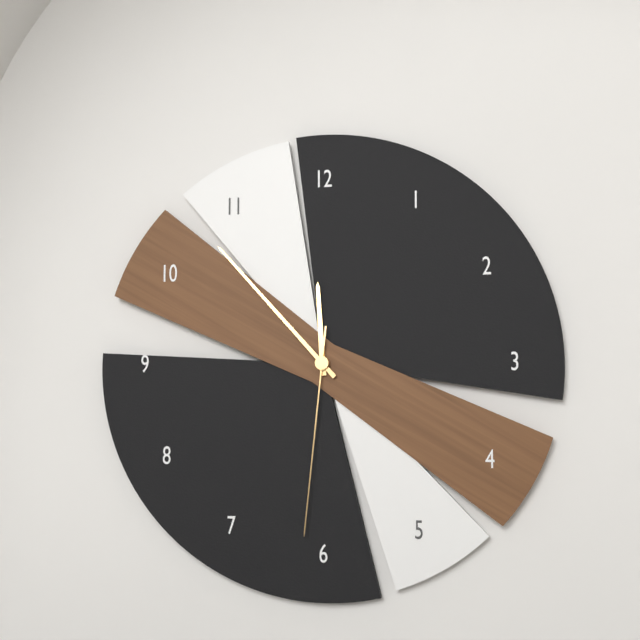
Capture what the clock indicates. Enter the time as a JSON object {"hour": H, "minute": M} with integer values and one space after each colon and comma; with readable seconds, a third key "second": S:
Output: {"hour": 11, "minute": 53, "second": 31}
